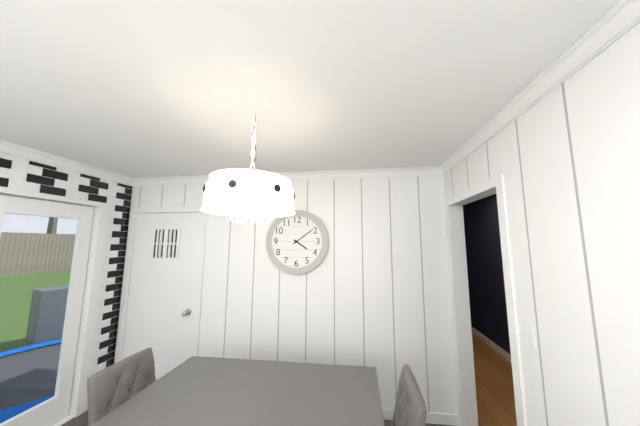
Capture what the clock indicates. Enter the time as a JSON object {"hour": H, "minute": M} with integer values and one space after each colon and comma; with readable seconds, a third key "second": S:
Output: {"hour": 4, "minute": 9}
